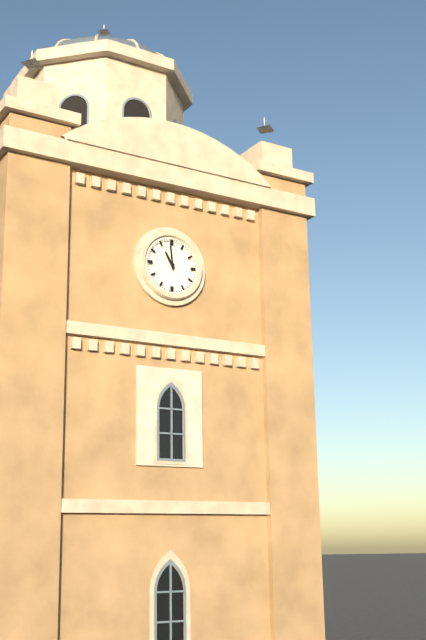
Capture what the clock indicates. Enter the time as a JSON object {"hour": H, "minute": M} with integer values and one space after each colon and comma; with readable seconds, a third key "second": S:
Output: {"hour": 10, "minute": 59}
